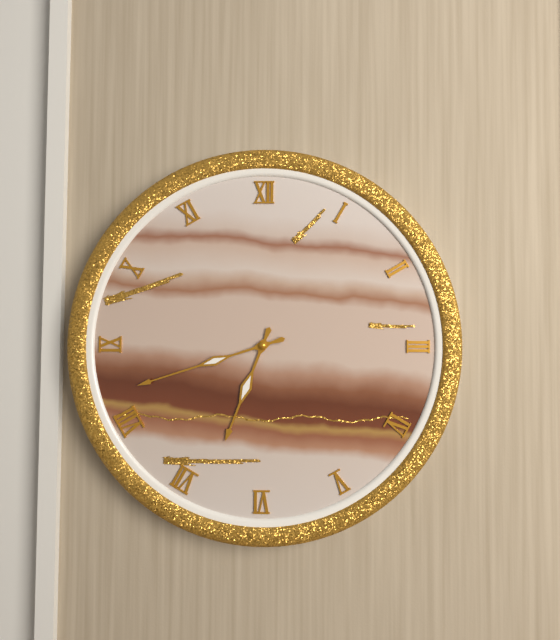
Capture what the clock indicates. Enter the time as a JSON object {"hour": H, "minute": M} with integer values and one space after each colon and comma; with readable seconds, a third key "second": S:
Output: {"hour": 6, "minute": 42}
